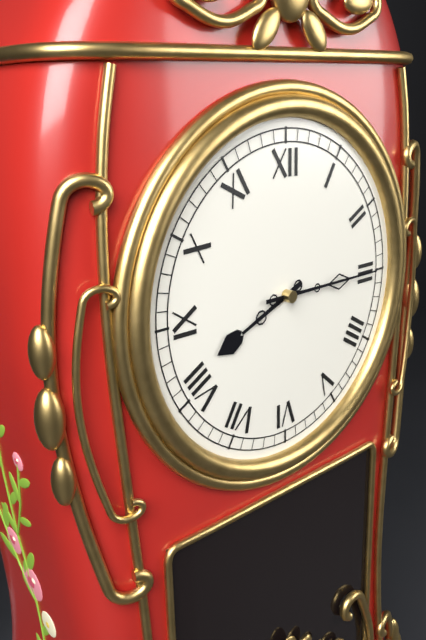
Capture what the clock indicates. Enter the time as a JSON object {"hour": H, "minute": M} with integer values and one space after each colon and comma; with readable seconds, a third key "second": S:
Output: {"hour": 8, "minute": 15}
